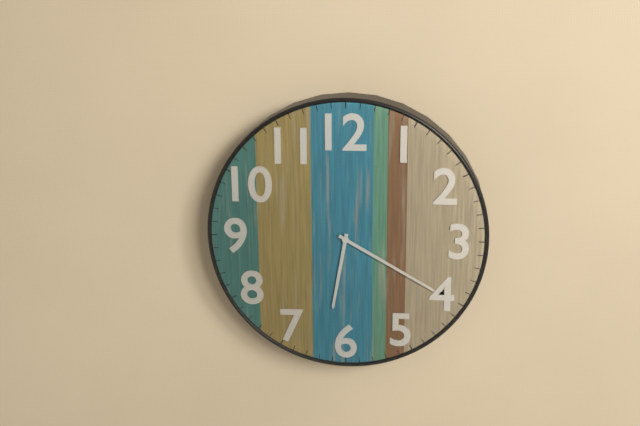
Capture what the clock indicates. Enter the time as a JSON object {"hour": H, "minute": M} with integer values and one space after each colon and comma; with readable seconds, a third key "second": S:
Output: {"hour": 6, "minute": 20}
